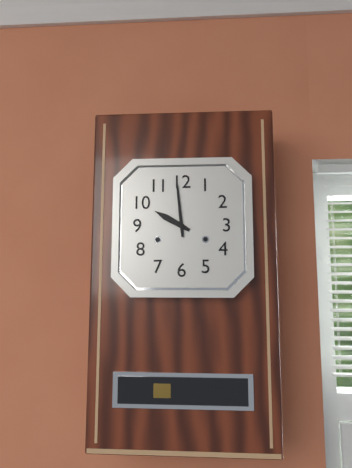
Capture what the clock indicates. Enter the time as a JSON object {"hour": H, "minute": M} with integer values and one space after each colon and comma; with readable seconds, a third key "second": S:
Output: {"hour": 9, "minute": 59}
